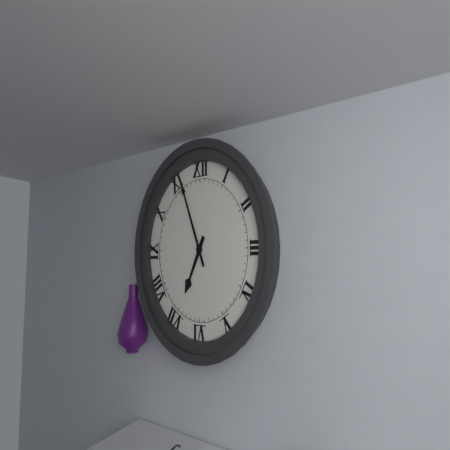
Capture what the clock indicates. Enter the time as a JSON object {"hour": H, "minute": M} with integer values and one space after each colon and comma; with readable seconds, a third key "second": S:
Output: {"hour": 6, "minute": 56}
